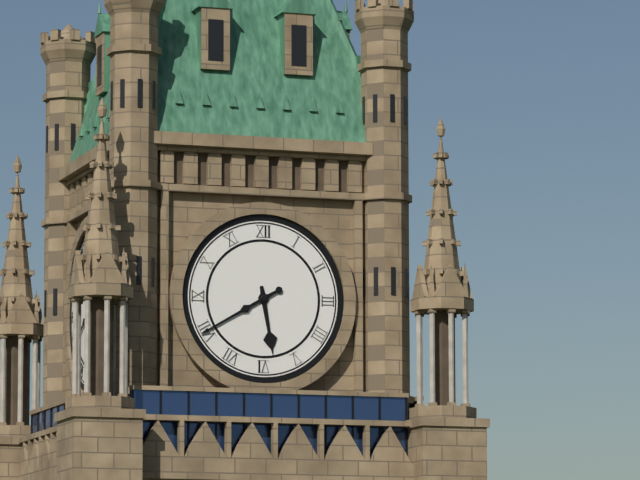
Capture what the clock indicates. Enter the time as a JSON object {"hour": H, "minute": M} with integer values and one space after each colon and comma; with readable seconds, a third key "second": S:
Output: {"hour": 5, "minute": 40}
